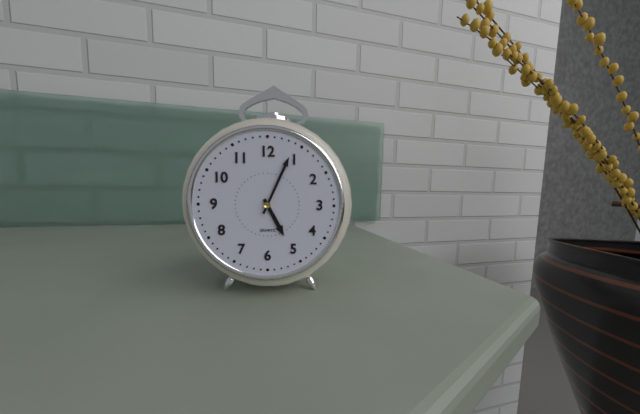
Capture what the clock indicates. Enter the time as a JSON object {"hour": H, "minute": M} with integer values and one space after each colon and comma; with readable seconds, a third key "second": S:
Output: {"hour": 5, "minute": 4}
